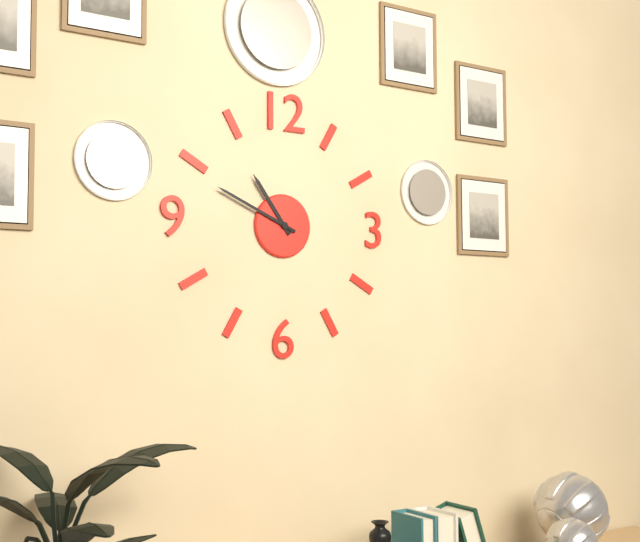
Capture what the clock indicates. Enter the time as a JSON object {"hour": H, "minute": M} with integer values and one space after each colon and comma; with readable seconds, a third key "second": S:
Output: {"hour": 10, "minute": 49}
